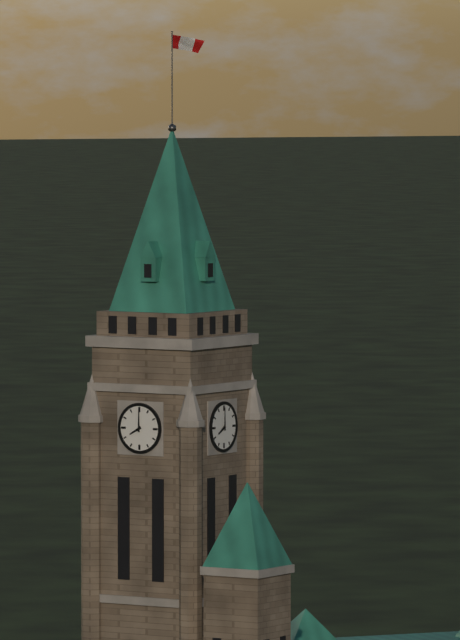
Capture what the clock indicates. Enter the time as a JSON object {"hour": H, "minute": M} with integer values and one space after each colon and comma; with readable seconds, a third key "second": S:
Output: {"hour": 8, "minute": 0}
